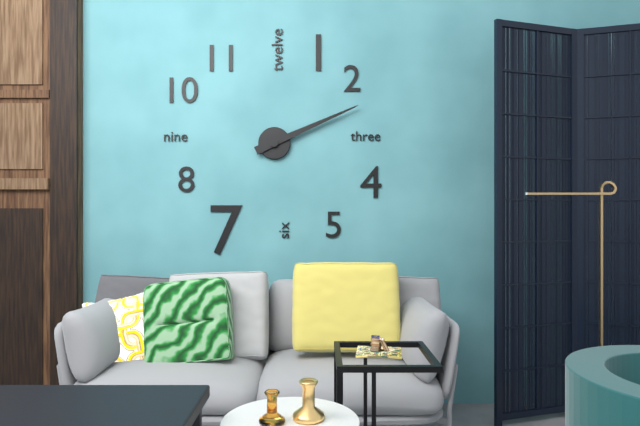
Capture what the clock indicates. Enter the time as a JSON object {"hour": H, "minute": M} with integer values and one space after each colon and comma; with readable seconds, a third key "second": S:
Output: {"hour": 2, "minute": 11}
